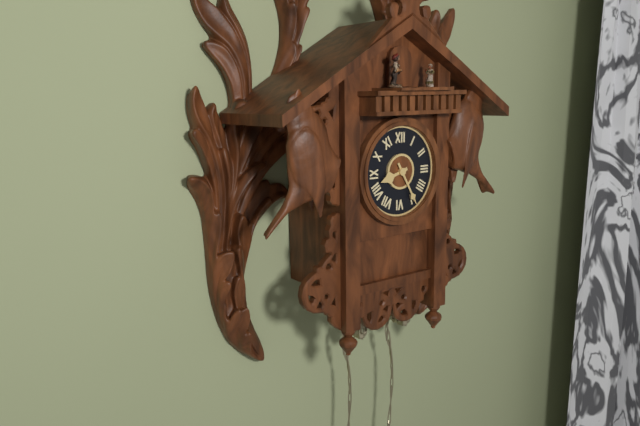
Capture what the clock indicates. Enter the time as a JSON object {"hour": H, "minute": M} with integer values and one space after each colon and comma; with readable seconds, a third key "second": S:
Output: {"hour": 8, "minute": 25}
